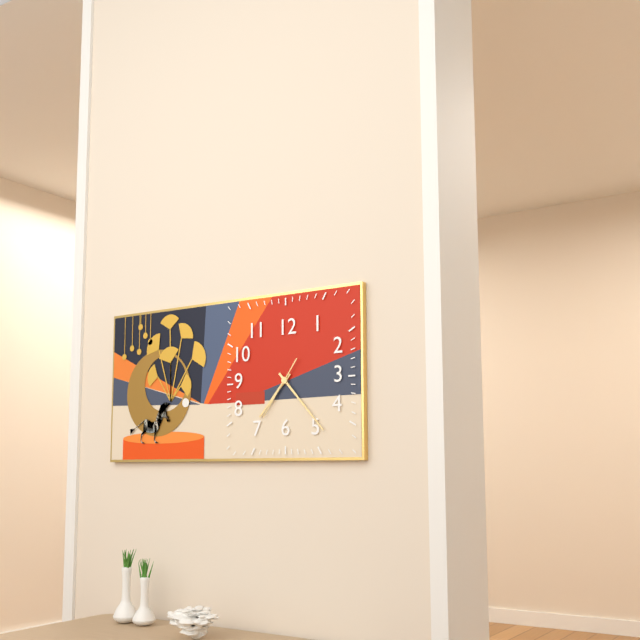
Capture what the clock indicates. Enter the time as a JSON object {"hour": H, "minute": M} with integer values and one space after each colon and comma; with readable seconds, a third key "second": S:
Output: {"hour": 7, "minute": 23, "second": 36}
